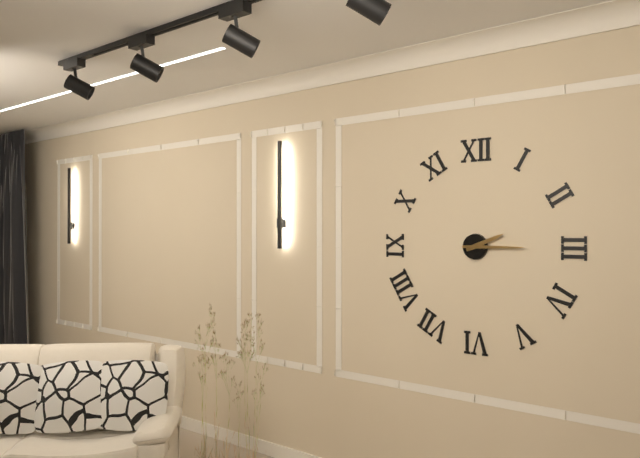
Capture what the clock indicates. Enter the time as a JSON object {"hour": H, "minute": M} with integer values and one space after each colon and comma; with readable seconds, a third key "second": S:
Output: {"hour": 2, "minute": 15}
